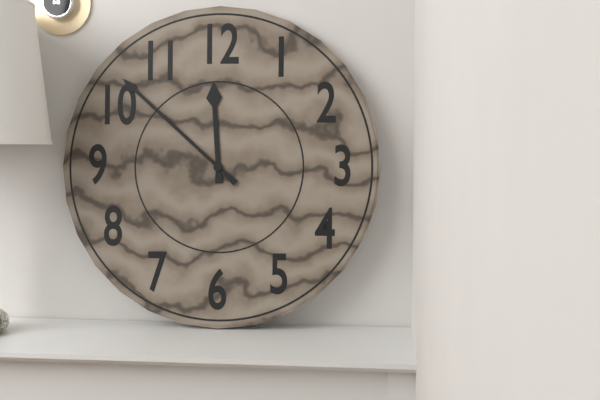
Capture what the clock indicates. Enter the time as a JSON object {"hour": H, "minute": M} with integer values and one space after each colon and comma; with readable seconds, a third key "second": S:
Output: {"hour": 11, "minute": 52}
